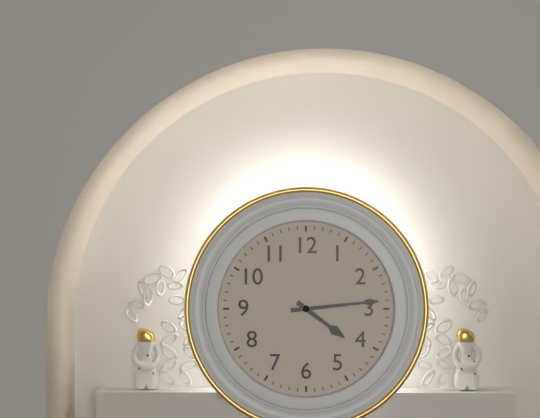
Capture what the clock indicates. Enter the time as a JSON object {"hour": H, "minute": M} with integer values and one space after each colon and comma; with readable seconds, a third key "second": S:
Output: {"hour": 4, "minute": 14}
